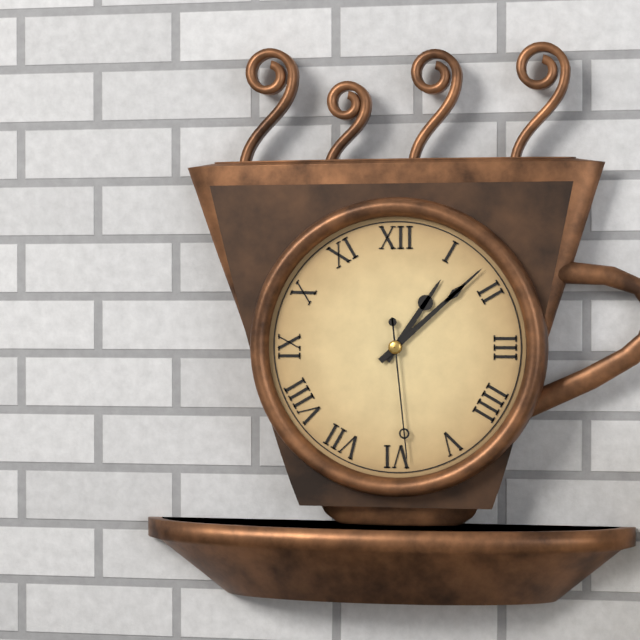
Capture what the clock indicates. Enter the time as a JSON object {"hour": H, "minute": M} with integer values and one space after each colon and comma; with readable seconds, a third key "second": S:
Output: {"hour": 1, "minute": 8, "second": 29}
